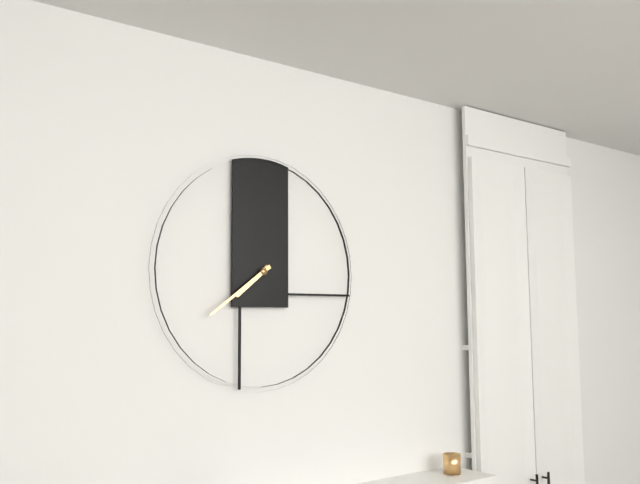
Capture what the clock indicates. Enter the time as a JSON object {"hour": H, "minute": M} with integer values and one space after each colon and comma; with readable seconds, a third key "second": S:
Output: {"hour": 7, "minute": 39}
